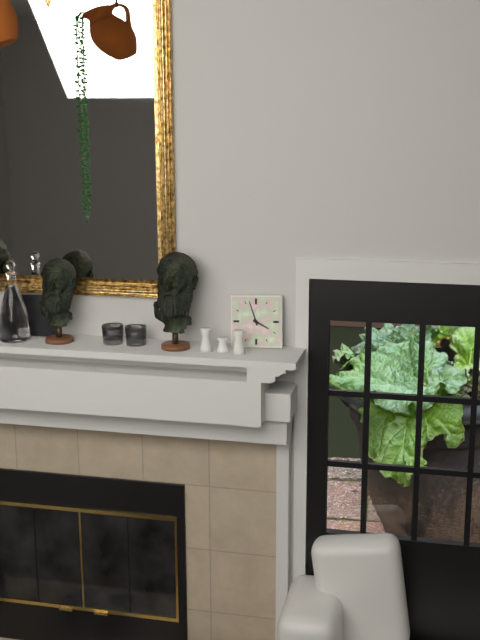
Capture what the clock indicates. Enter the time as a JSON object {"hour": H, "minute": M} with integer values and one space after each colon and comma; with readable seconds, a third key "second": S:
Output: {"hour": 3, "minute": 57}
